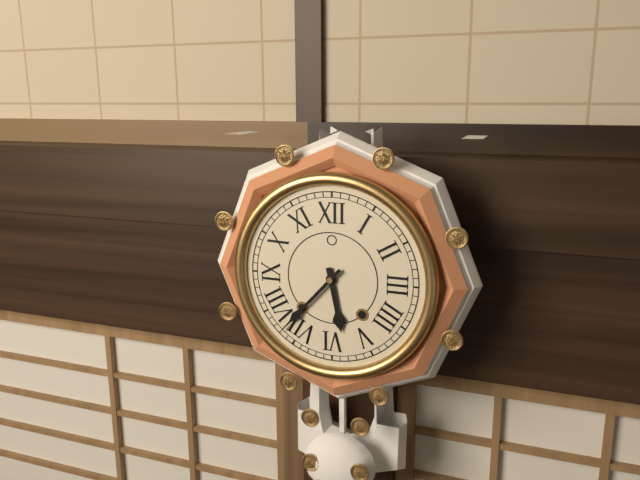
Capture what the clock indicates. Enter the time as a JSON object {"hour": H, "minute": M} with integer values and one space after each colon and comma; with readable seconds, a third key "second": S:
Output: {"hour": 5, "minute": 37}
